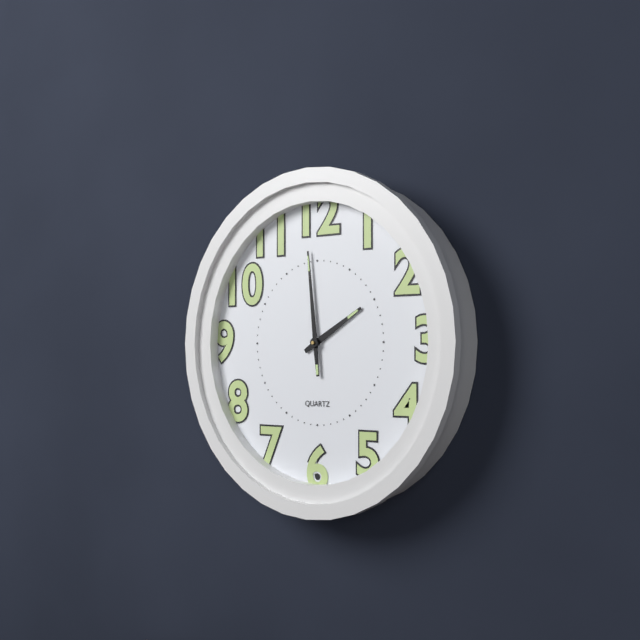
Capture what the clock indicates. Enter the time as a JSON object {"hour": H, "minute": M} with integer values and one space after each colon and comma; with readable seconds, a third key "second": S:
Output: {"hour": 1, "minute": 59}
